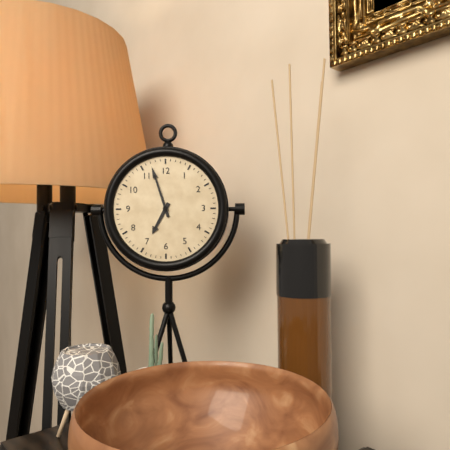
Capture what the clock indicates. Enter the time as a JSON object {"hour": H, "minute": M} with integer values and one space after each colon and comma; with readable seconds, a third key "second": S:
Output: {"hour": 6, "minute": 57}
